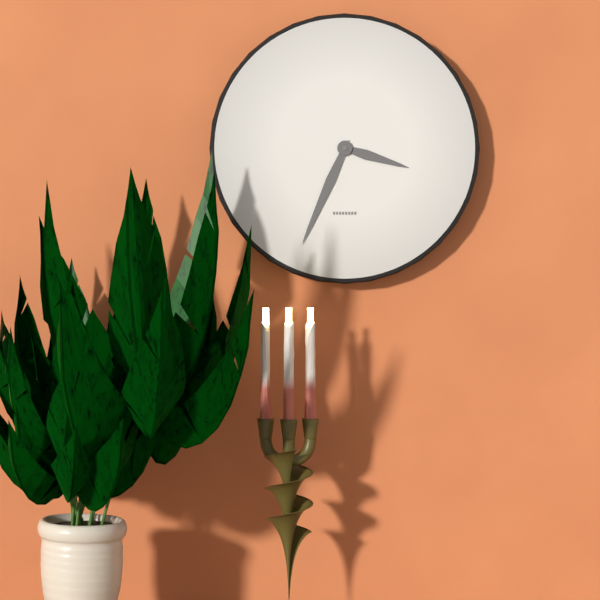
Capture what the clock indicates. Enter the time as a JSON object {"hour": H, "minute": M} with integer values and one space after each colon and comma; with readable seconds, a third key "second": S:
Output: {"hour": 3, "minute": 34}
